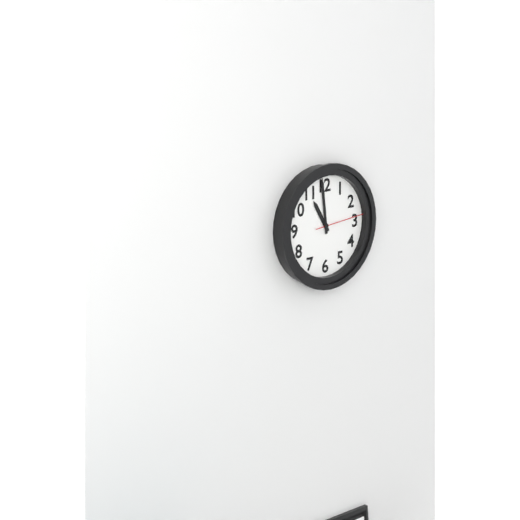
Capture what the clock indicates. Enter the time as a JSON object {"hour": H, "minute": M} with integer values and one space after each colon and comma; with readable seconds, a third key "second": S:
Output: {"hour": 10, "minute": 59}
